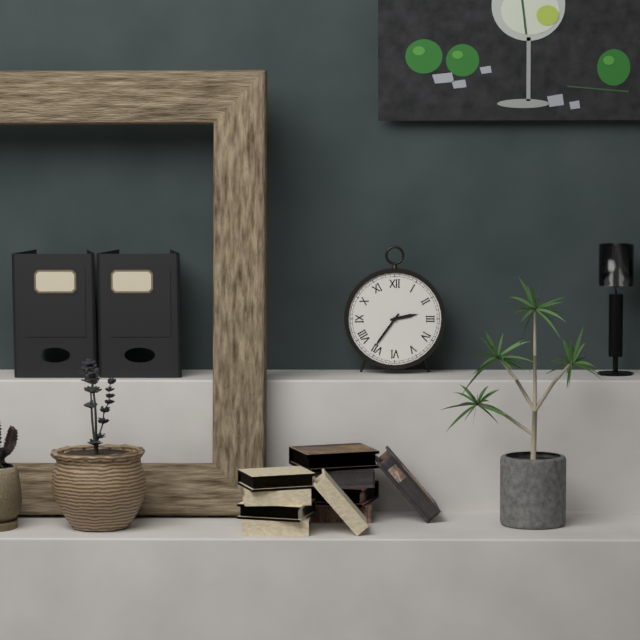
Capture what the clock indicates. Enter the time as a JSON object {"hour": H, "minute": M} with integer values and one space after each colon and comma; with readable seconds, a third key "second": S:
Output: {"hour": 2, "minute": 36}
